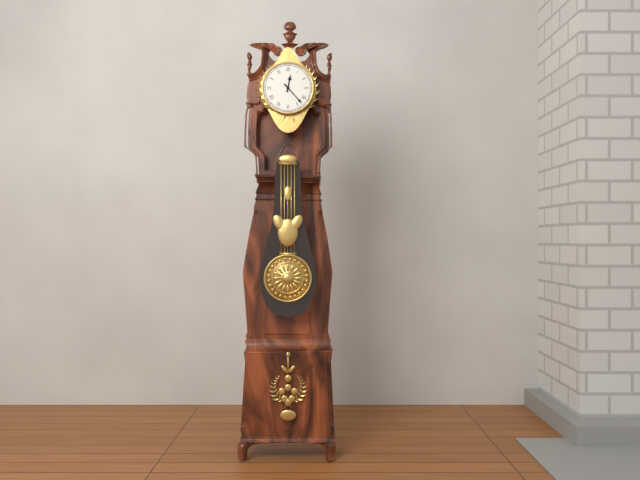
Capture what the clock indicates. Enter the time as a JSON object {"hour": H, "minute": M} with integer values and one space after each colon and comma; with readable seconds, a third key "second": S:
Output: {"hour": 12, "minute": 23}
